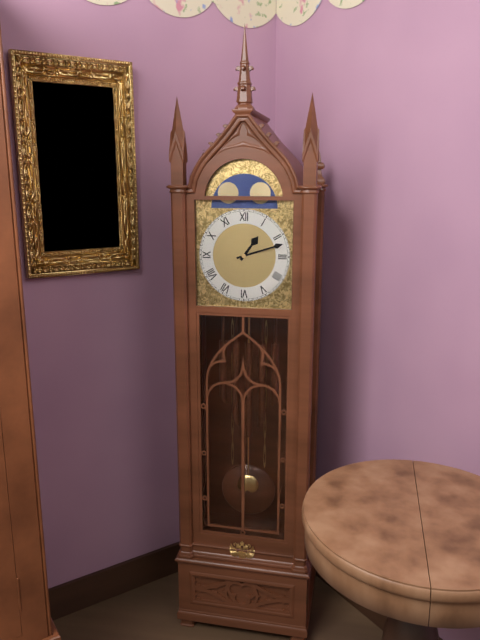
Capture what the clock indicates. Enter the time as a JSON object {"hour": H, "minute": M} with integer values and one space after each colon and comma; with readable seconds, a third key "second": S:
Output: {"hour": 1, "minute": 12}
